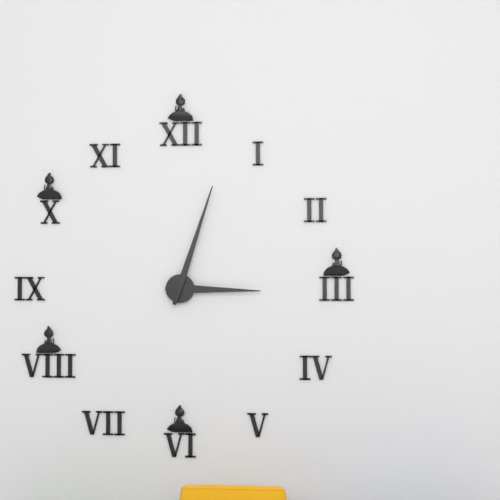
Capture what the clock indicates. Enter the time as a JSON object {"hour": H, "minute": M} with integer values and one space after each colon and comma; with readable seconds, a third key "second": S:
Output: {"hour": 3, "minute": 3}
